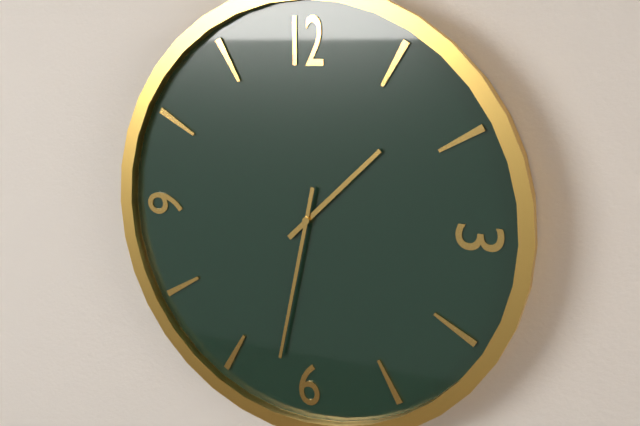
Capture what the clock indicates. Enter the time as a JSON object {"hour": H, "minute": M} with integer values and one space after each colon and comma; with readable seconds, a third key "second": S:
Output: {"hour": 1, "minute": 32}
